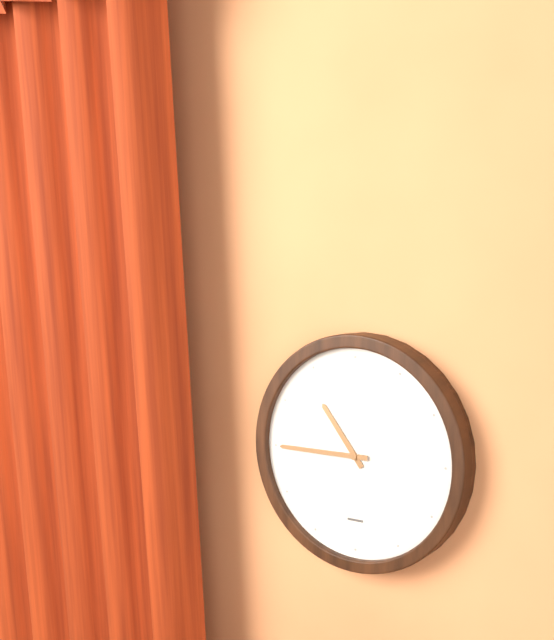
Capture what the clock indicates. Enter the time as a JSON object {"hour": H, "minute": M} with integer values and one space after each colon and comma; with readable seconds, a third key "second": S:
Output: {"hour": 10, "minute": 45}
